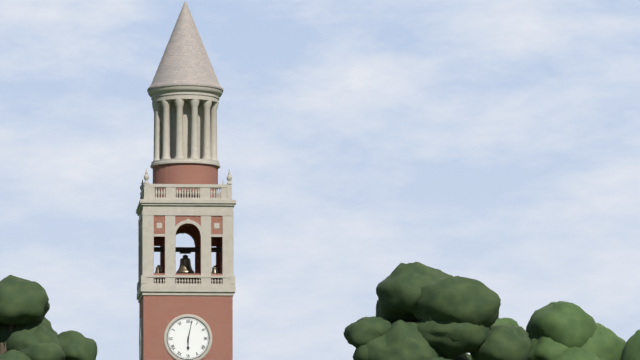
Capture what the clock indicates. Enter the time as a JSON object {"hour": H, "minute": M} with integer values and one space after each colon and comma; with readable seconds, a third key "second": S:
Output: {"hour": 6, "minute": 2}
